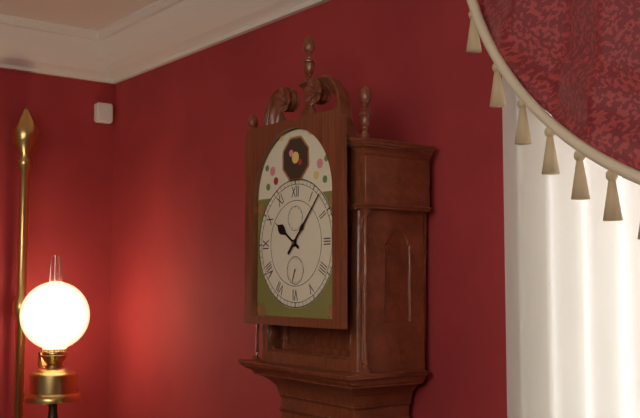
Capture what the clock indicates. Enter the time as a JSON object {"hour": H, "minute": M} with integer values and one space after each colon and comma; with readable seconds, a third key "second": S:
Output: {"hour": 10, "minute": 7}
